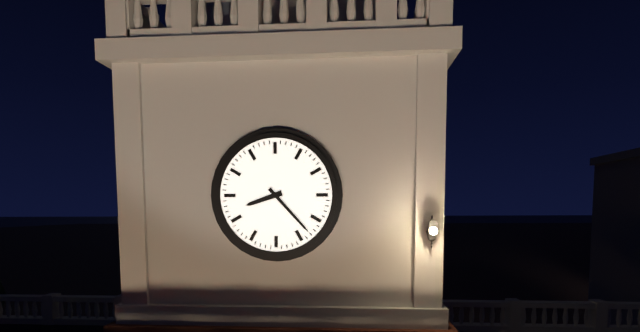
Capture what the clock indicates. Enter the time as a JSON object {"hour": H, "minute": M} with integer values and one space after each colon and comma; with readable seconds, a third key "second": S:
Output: {"hour": 8, "minute": 23}
